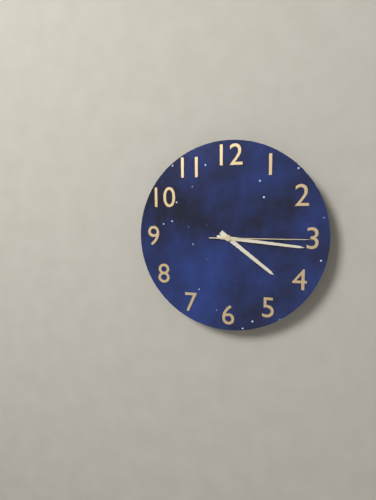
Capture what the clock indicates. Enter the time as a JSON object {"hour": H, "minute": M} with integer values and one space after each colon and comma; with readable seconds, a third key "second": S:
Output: {"hour": 4, "minute": 16, "second": 15}
